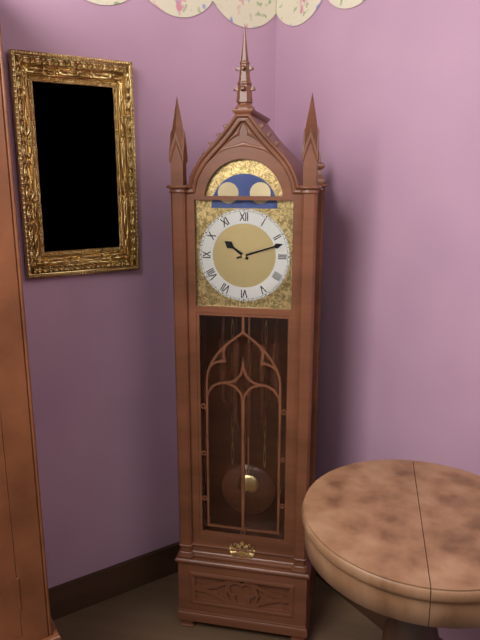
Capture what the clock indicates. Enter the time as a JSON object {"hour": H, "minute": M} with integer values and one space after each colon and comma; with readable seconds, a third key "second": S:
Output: {"hour": 10, "minute": 12}
